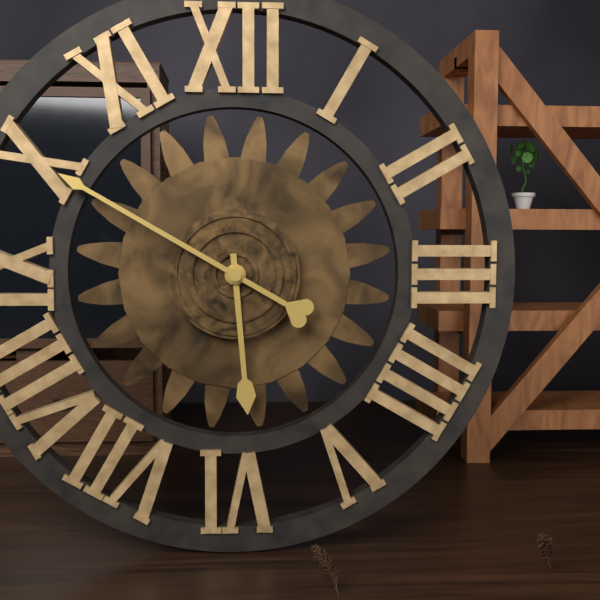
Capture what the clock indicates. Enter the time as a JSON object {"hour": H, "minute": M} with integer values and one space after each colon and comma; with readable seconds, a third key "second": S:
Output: {"hour": 5, "minute": 50}
